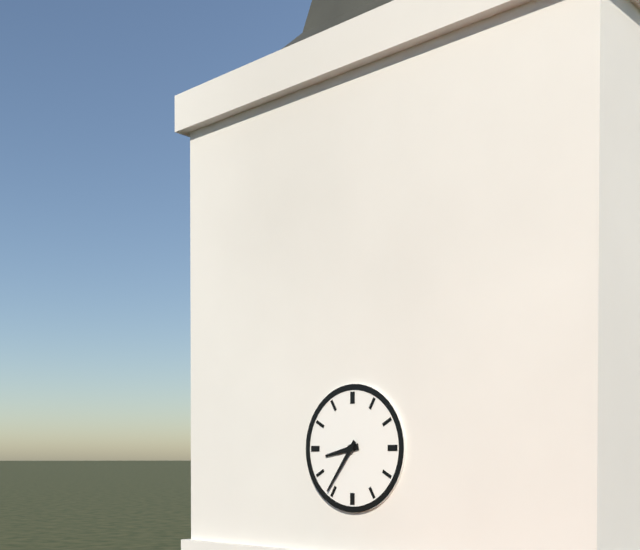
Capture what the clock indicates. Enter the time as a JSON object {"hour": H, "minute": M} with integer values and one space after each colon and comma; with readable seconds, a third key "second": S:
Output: {"hour": 8, "minute": 36}
